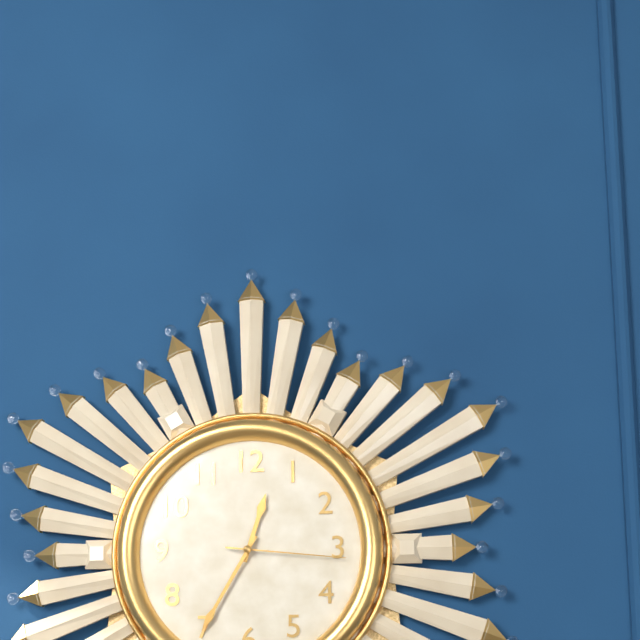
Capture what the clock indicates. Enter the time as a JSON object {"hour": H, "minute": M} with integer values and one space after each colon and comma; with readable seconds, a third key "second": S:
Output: {"hour": 12, "minute": 35, "second": 16}
